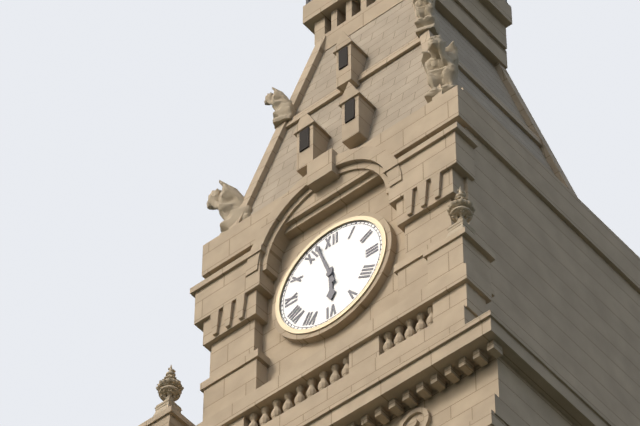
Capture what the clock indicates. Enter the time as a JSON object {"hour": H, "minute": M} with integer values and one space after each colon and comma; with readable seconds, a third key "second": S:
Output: {"hour": 5, "minute": 57}
